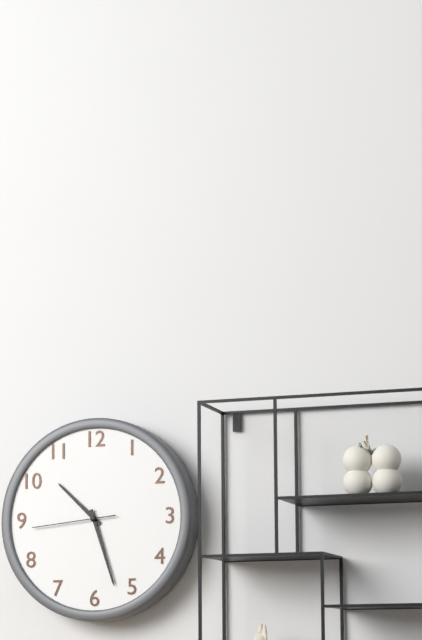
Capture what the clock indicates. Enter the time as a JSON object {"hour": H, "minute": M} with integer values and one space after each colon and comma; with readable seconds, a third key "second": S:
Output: {"hour": 10, "minute": 27, "second": 44}
